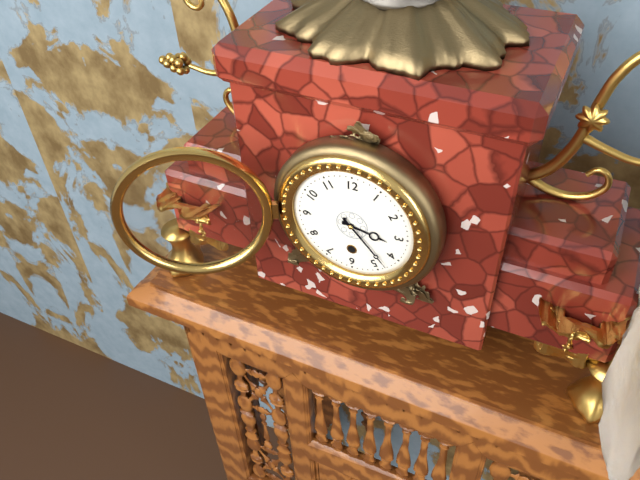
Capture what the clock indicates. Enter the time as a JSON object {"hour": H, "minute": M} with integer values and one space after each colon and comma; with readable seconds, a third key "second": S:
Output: {"hour": 3, "minute": 23}
